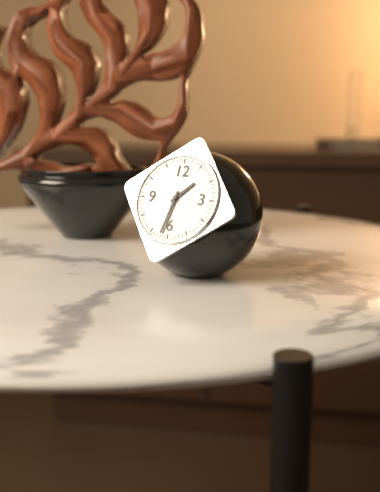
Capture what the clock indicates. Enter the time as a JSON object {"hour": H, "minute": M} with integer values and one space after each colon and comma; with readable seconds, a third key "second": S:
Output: {"hour": 1, "minute": 32}
